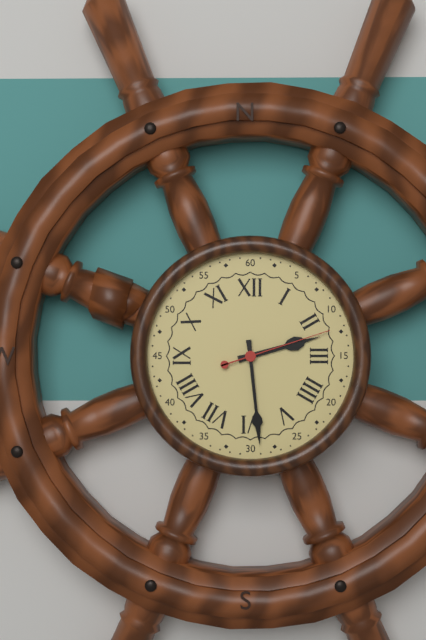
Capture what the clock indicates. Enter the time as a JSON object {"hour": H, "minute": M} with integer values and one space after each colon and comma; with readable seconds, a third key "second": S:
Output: {"hour": 2, "minute": 29, "second": 12}
